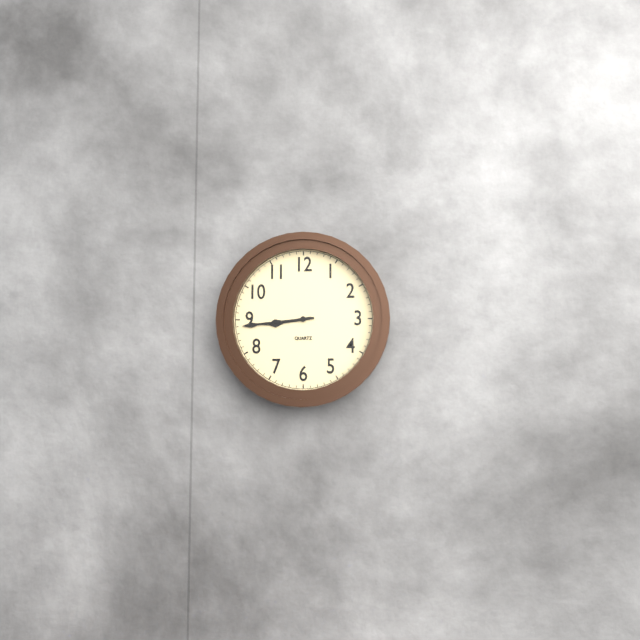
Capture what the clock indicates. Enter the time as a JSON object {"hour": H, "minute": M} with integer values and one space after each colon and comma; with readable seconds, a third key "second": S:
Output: {"hour": 8, "minute": 44}
